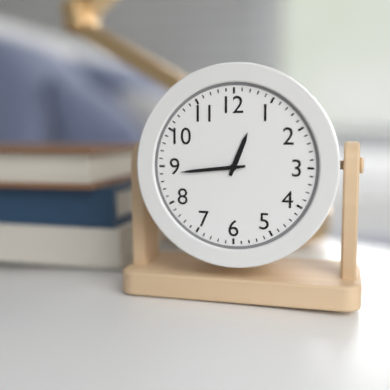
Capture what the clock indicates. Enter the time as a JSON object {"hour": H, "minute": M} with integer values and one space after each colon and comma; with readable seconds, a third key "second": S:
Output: {"hour": 12, "minute": 44}
